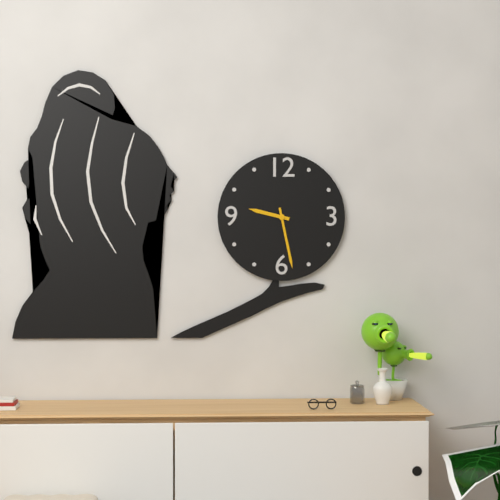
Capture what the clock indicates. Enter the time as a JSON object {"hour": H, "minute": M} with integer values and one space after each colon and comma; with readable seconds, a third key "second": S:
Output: {"hour": 9, "minute": 28}
